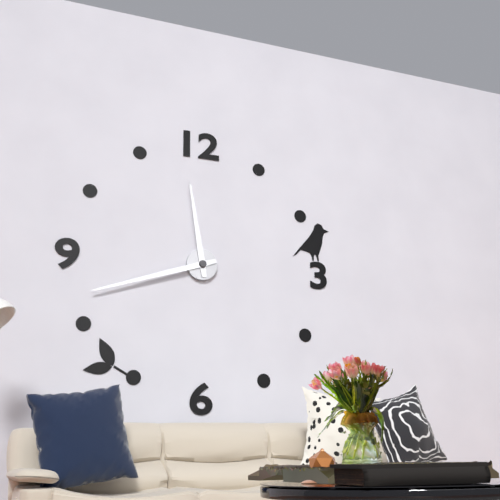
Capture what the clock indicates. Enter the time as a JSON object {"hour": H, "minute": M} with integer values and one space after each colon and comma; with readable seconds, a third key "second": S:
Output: {"hour": 11, "minute": 42}
